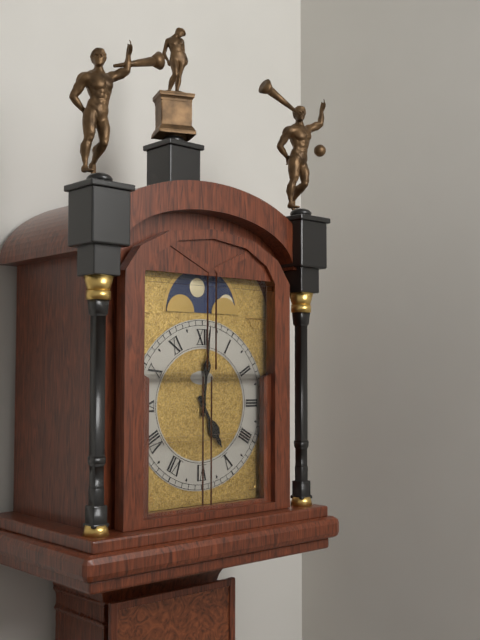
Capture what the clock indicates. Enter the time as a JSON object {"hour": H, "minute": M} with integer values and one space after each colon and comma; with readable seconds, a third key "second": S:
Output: {"hour": 5, "minute": 1}
